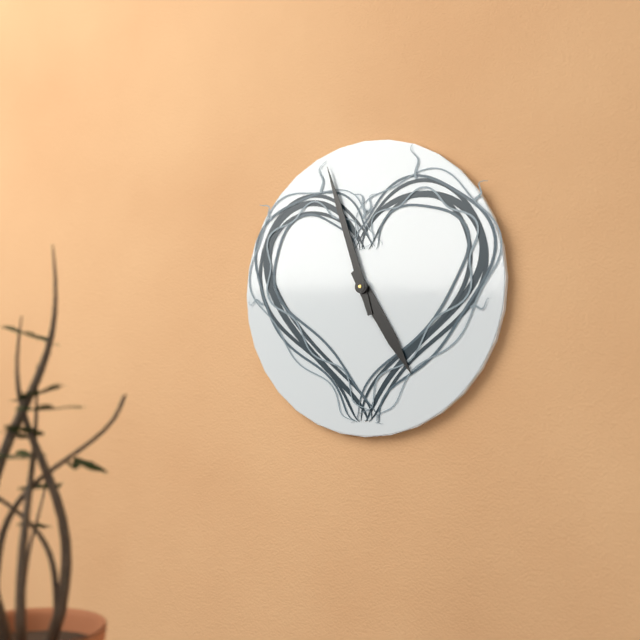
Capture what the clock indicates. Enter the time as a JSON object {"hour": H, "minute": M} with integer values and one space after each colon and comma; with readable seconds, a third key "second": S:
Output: {"hour": 4, "minute": 57}
